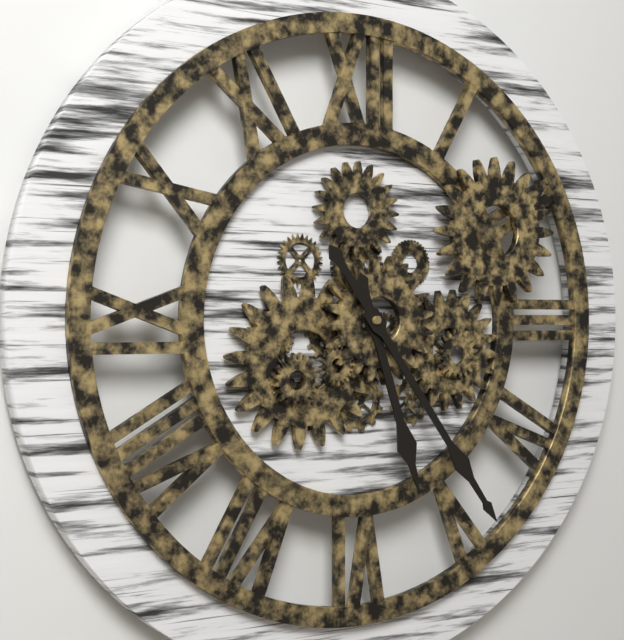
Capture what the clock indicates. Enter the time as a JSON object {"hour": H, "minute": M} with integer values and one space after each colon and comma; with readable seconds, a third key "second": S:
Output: {"hour": 5, "minute": 24}
